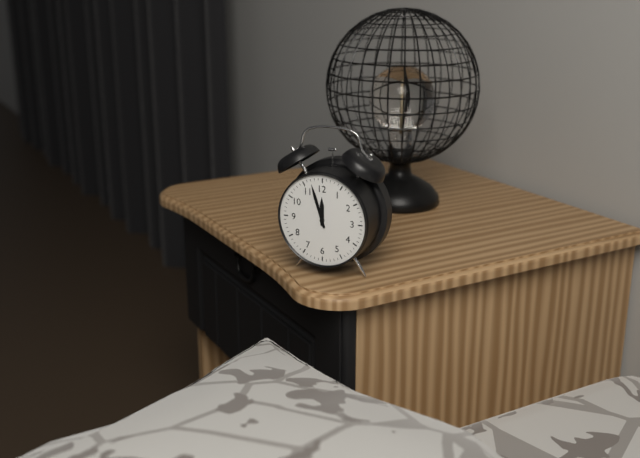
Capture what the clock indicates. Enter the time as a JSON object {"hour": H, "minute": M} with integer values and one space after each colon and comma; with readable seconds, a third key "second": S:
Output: {"hour": 11, "minute": 57}
